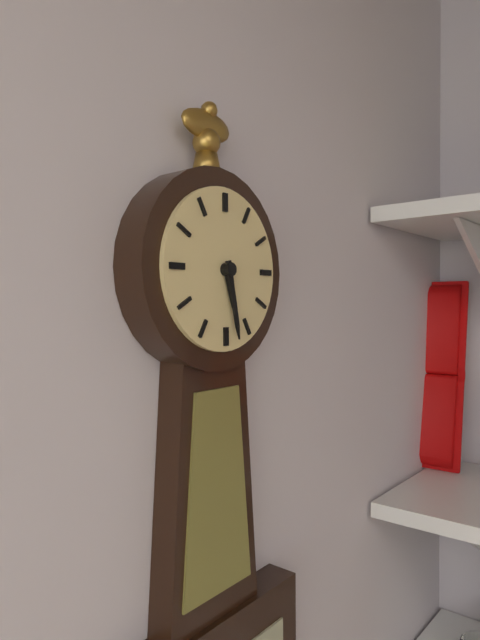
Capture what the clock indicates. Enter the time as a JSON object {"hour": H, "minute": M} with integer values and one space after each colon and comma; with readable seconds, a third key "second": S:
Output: {"hour": 5, "minute": 28}
